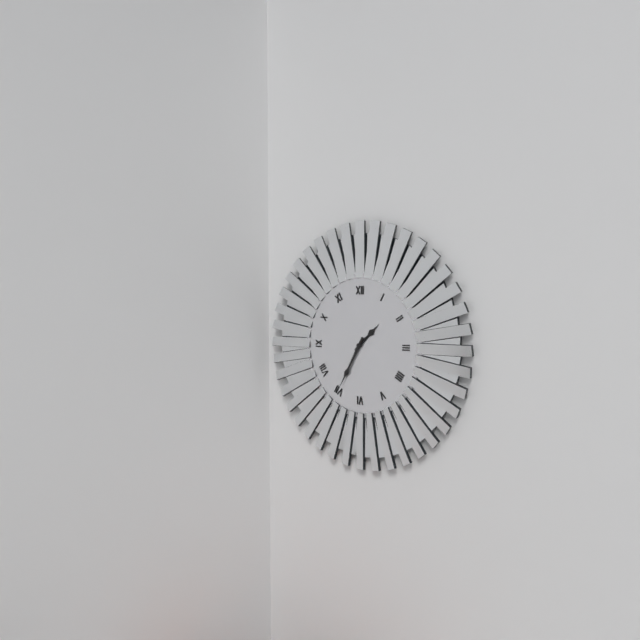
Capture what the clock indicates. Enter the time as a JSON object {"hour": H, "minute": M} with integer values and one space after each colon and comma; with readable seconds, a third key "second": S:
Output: {"hour": 1, "minute": 35}
